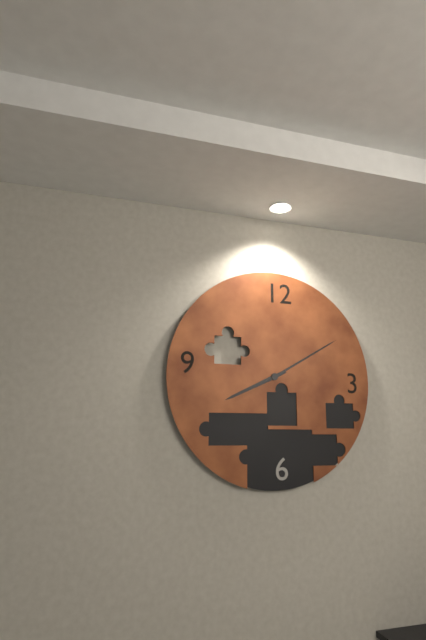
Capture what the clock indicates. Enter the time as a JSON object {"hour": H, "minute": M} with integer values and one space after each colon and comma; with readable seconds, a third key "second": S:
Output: {"hour": 8, "minute": 10}
